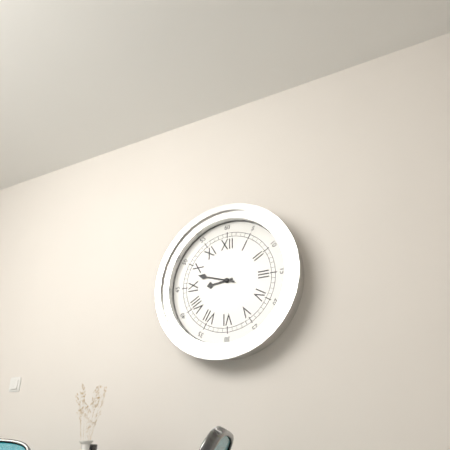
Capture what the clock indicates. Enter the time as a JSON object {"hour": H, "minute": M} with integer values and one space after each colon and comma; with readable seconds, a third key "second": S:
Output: {"hour": 8, "minute": 48}
